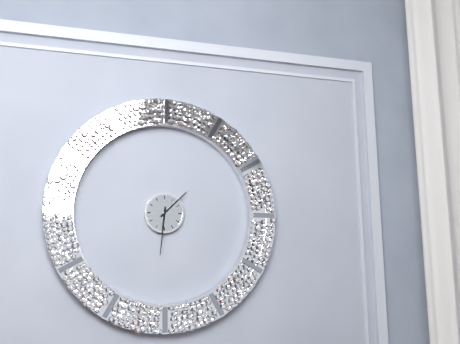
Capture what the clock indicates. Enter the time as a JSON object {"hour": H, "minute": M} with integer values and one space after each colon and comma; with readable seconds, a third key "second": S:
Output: {"hour": 1, "minute": 31}
